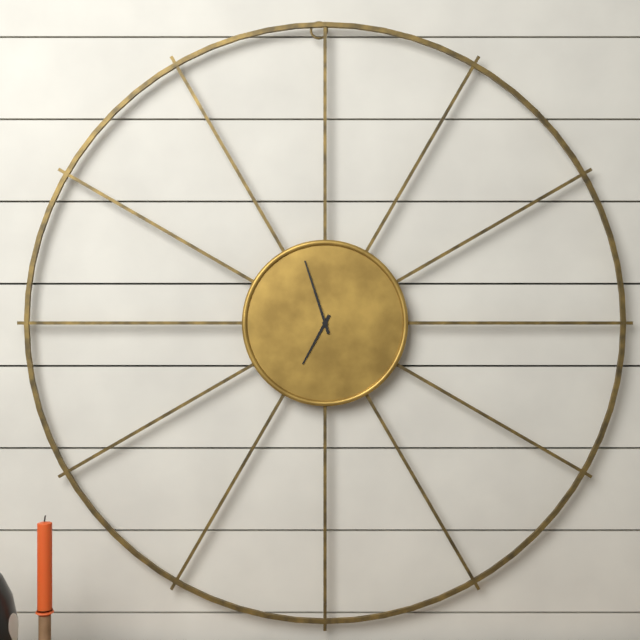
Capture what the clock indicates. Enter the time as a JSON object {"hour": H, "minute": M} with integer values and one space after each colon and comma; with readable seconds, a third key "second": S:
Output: {"hour": 6, "minute": 57}
